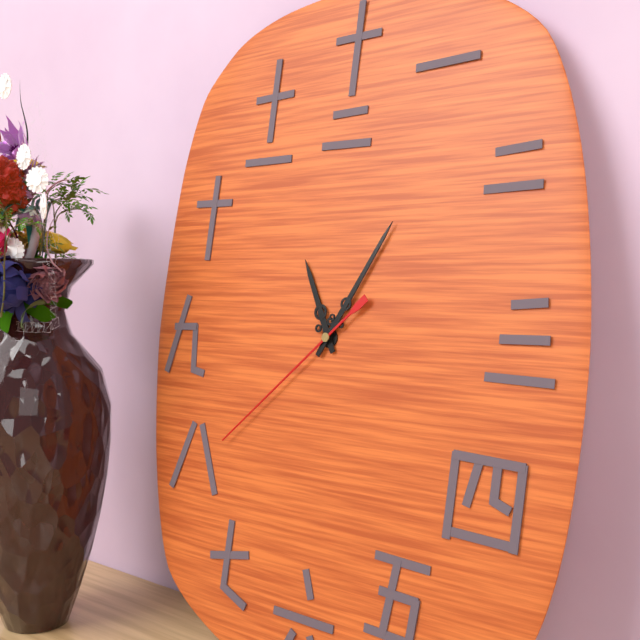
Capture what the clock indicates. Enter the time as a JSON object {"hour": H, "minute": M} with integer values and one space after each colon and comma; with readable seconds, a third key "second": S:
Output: {"hour": 11, "minute": 5, "second": 38}
